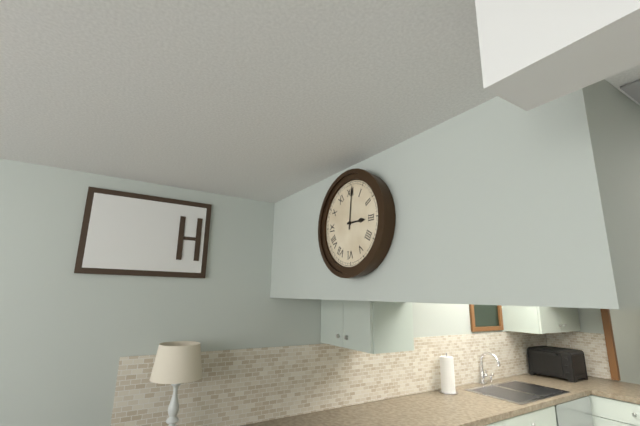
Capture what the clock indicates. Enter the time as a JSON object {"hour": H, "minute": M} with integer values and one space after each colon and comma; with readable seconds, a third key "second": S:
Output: {"hour": 3, "minute": 1}
